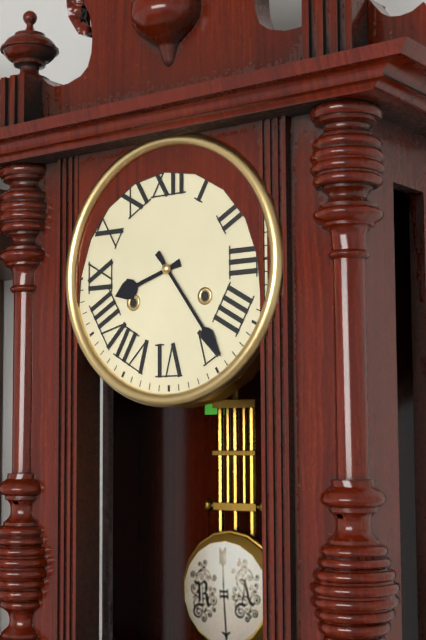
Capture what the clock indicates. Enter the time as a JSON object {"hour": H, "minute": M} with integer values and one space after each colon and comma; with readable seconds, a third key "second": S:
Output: {"hour": 8, "minute": 24}
